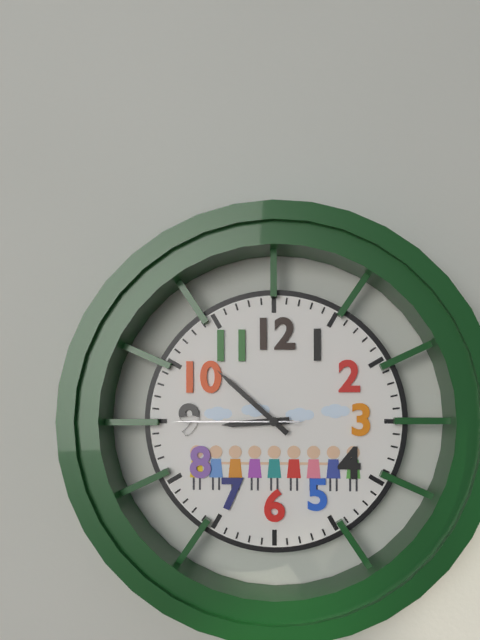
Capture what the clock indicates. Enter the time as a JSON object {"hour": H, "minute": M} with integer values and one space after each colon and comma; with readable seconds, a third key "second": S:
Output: {"hour": 8, "minute": 52, "second": 45}
